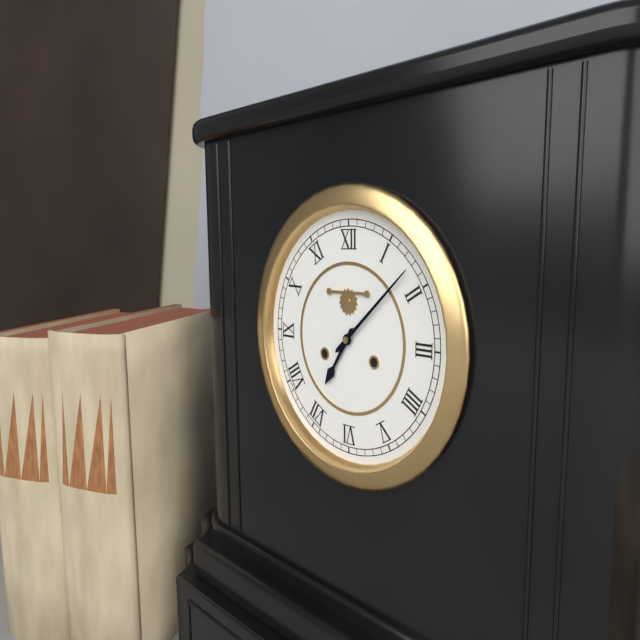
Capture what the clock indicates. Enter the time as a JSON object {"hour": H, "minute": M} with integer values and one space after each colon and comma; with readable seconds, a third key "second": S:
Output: {"hour": 7, "minute": 8}
